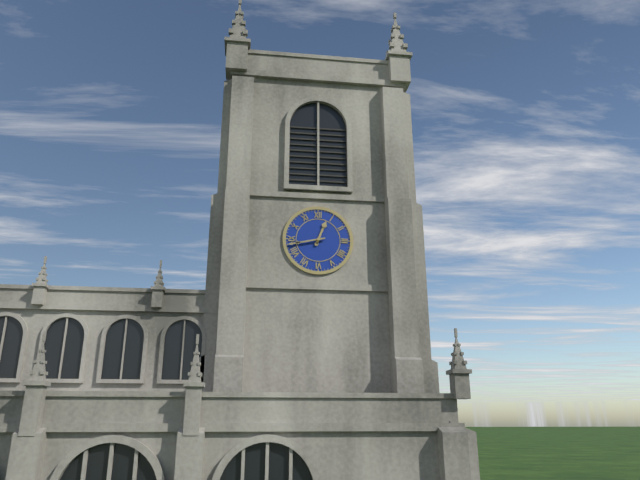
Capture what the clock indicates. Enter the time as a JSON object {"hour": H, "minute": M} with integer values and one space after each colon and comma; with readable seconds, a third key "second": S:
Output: {"hour": 12, "minute": 43}
